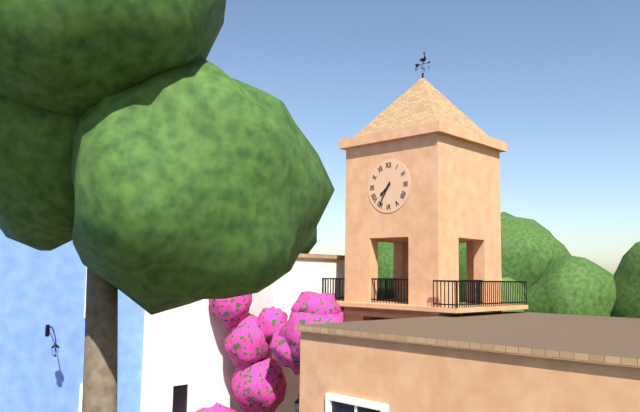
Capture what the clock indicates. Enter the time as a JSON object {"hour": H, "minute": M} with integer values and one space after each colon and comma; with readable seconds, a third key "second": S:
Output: {"hour": 7, "minute": 35}
